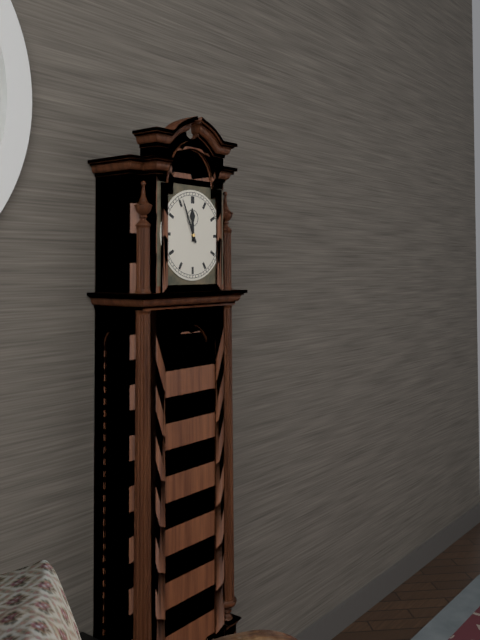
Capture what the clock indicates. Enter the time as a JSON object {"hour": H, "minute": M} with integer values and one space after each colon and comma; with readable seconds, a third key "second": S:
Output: {"hour": 11, "minute": 56}
